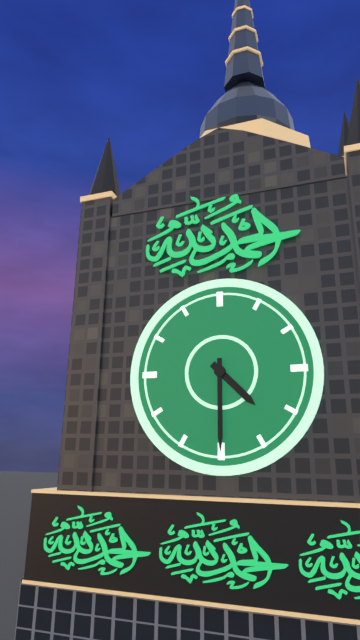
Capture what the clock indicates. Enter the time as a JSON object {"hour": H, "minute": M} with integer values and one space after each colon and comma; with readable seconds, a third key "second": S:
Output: {"hour": 4, "minute": 30}
